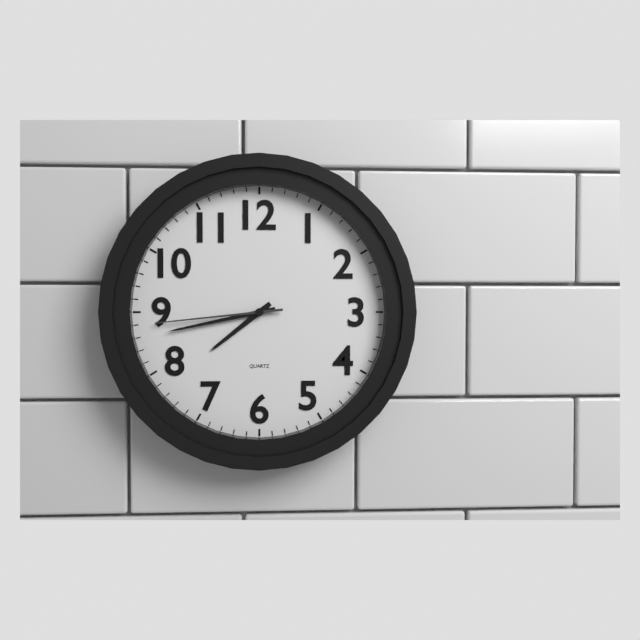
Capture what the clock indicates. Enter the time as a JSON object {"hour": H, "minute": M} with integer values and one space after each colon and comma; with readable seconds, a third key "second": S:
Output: {"hour": 7, "minute": 43, "second": 44}
